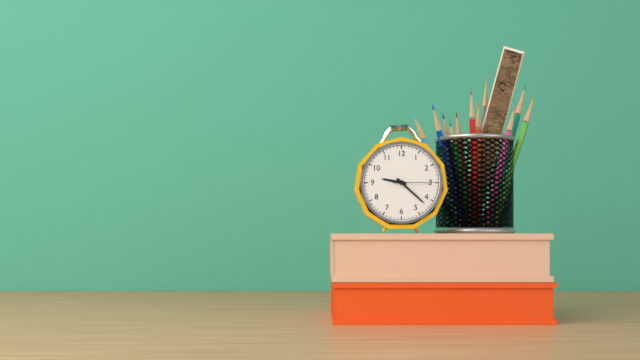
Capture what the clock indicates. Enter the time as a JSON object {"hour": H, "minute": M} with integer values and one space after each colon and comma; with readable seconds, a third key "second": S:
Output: {"hour": 9, "minute": 22}
